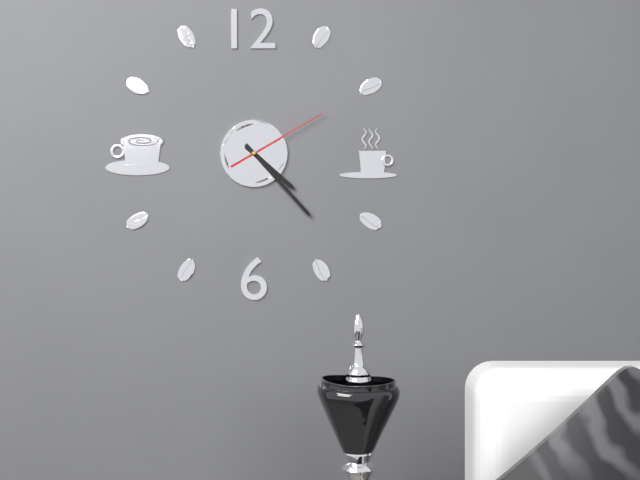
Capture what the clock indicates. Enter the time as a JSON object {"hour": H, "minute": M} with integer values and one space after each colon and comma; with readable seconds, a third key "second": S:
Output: {"hour": 4, "minute": 23, "second": 10}
